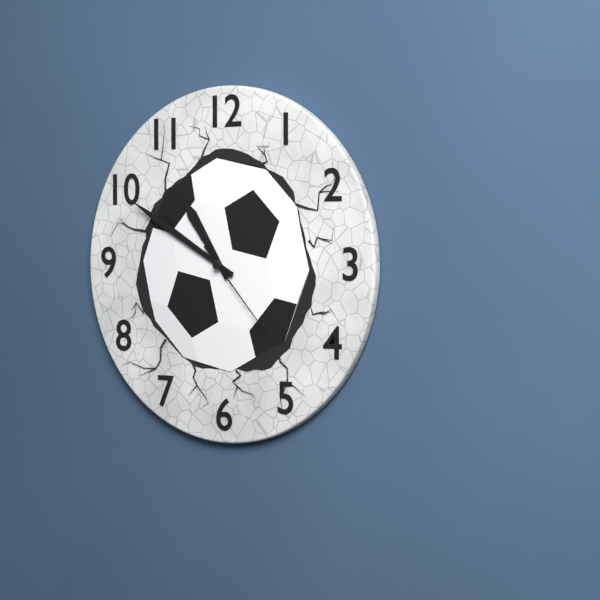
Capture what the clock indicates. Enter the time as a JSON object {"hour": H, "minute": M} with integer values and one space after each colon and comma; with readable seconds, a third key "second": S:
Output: {"hour": 10, "minute": 50, "second": 23}
